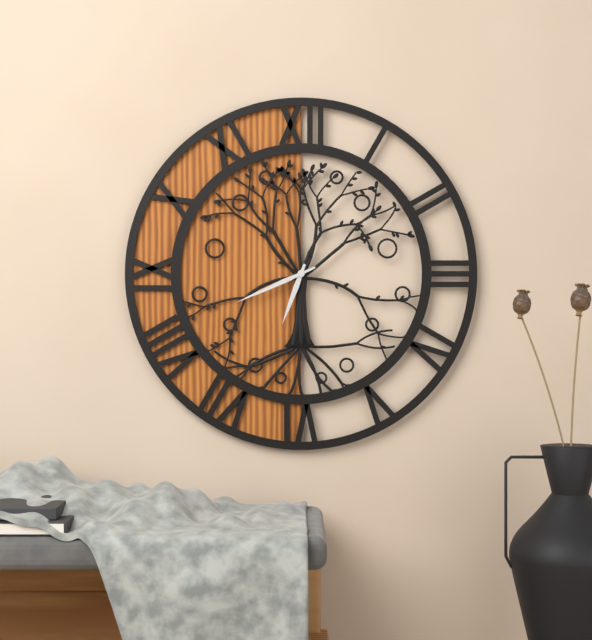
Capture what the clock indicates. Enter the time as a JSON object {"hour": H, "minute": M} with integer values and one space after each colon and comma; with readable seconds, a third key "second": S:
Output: {"hour": 6, "minute": 41}
